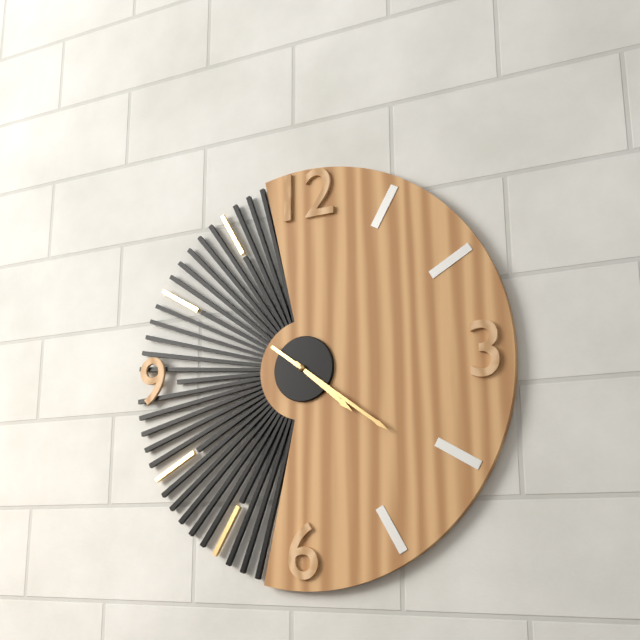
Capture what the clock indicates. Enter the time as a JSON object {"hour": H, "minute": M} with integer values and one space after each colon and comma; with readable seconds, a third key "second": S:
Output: {"hour": 4, "minute": 21}
